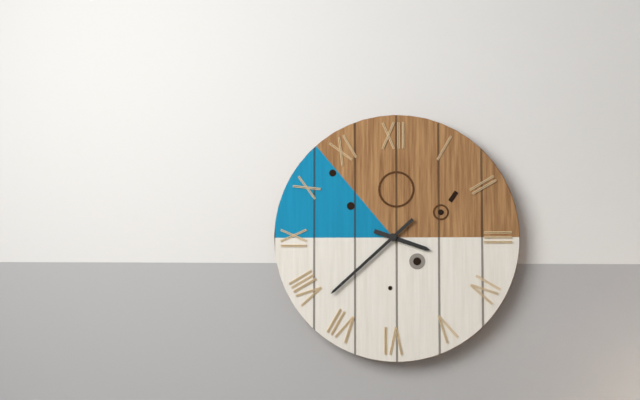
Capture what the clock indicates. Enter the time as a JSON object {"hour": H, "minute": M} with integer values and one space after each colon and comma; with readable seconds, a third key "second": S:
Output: {"hour": 3, "minute": 38}
